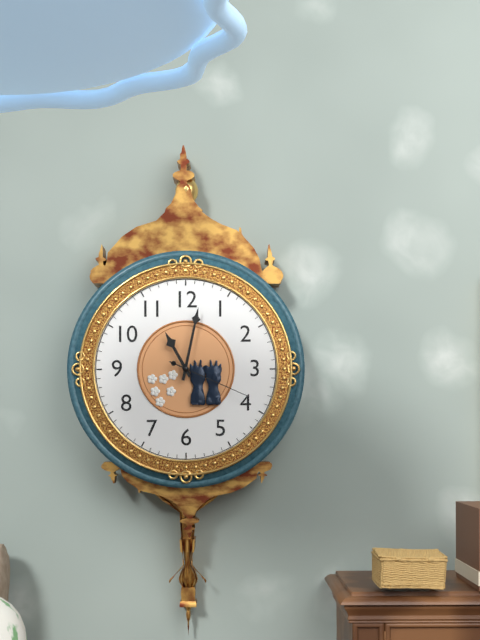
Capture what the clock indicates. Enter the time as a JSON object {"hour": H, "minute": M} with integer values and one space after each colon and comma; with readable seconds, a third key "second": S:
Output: {"hour": 11, "minute": 2, "second": 19}
